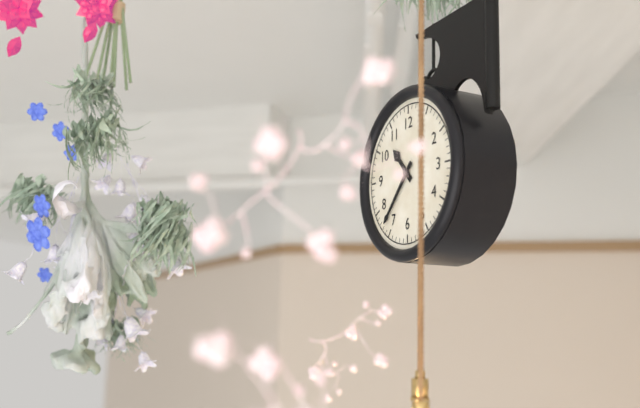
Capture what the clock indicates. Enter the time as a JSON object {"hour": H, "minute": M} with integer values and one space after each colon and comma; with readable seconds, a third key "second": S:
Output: {"hour": 10, "minute": 37}
